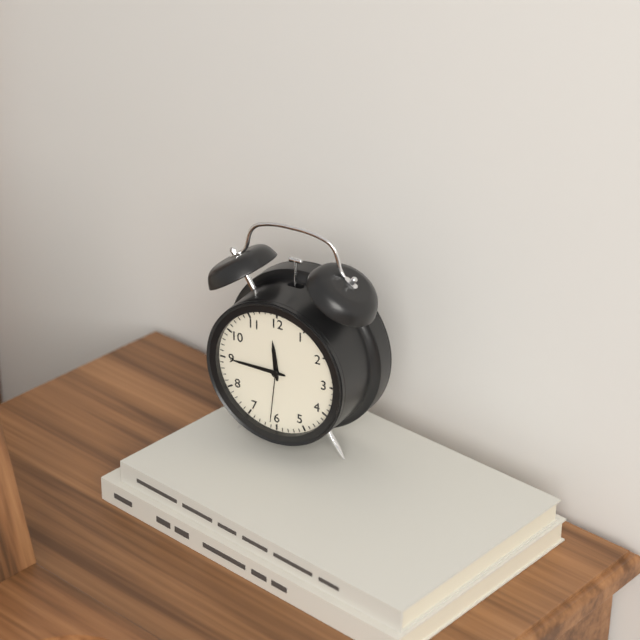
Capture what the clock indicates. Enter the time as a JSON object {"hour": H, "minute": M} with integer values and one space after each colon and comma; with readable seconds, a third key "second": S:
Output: {"hour": 11, "minute": 45, "second": 31}
